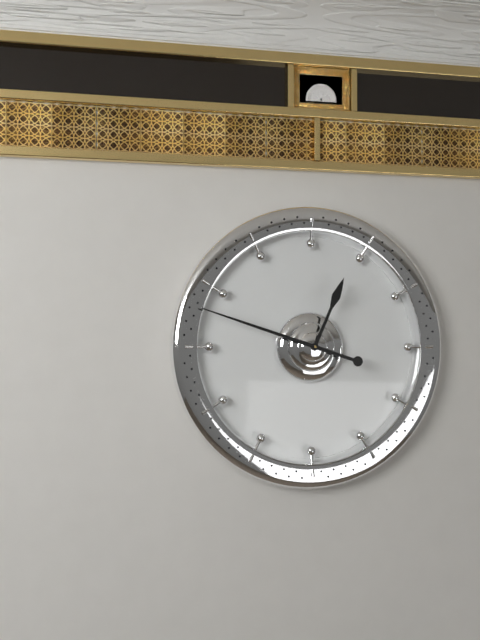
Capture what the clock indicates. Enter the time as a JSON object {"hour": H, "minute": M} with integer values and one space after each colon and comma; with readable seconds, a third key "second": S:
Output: {"hour": 12, "minute": 48}
